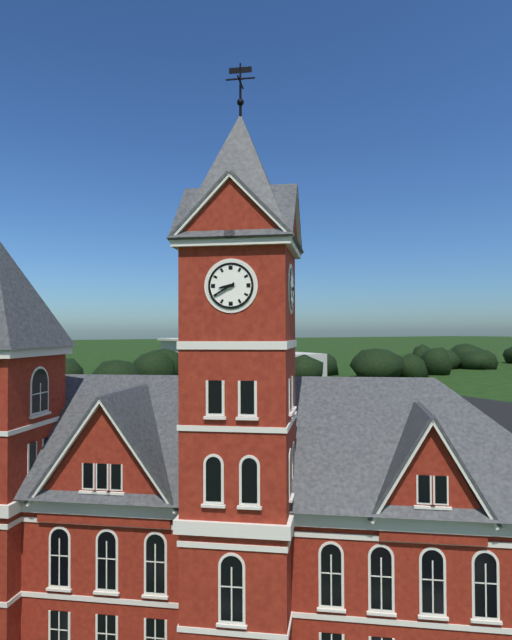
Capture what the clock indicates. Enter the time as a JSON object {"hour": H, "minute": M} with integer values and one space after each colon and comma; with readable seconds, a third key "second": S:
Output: {"hour": 8, "minute": 40}
